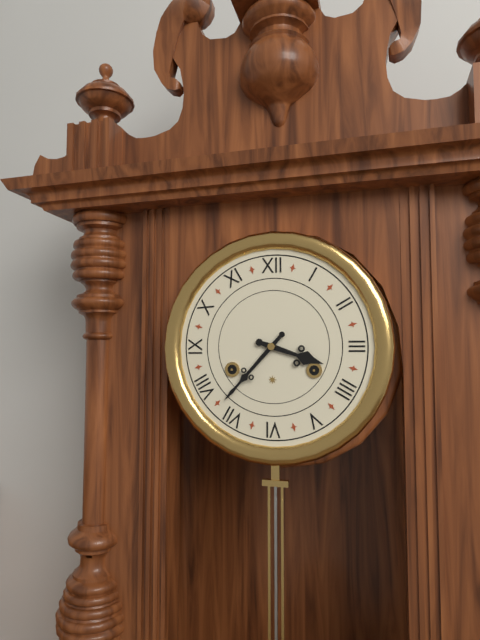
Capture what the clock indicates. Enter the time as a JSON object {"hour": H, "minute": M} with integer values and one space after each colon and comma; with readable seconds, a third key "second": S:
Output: {"hour": 3, "minute": 37}
